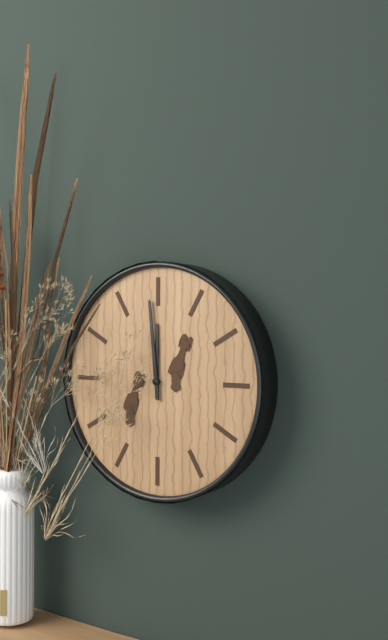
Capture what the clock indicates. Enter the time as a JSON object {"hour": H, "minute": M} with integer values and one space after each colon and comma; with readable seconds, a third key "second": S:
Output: {"hour": 11, "minute": 59}
